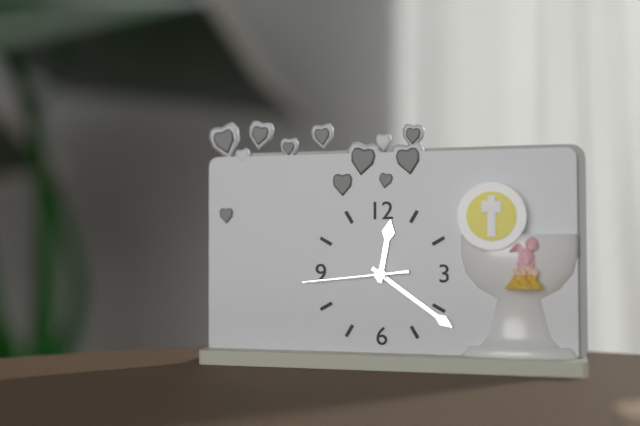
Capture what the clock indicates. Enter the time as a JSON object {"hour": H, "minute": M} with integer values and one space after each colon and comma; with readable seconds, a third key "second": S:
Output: {"hour": 12, "minute": 21, "second": 44}
